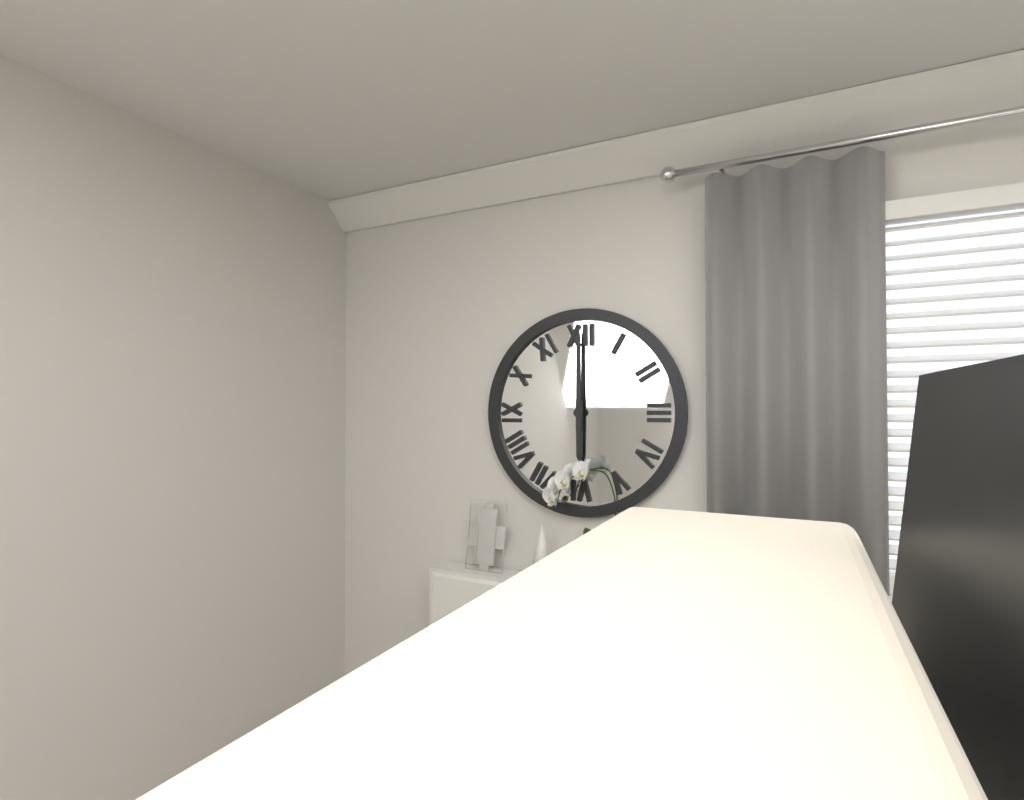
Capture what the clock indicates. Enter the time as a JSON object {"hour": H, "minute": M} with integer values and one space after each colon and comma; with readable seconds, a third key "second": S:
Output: {"hour": 6, "minute": 0}
